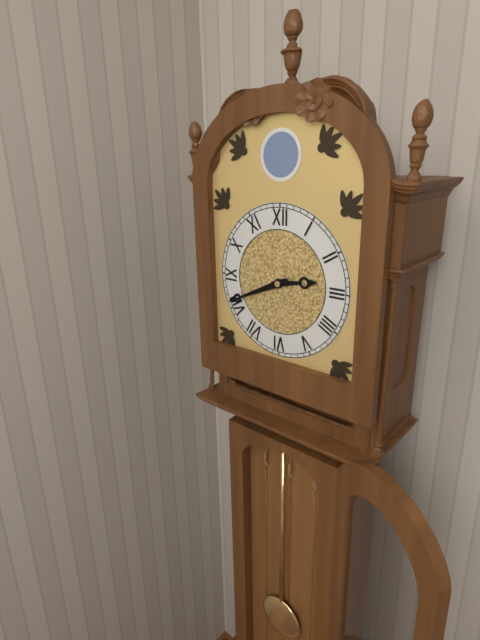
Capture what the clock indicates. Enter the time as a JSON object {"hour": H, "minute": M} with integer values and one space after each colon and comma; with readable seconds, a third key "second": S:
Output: {"hour": 2, "minute": 41}
